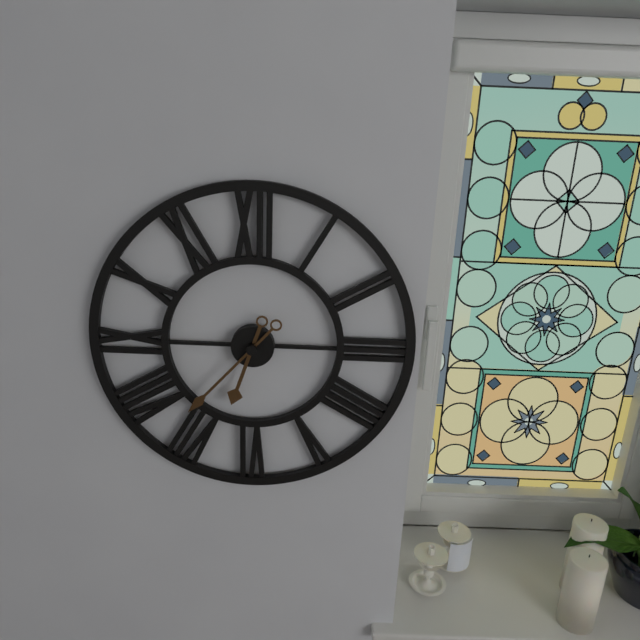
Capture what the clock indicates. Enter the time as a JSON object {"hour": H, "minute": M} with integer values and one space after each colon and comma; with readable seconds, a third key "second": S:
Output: {"hour": 6, "minute": 37}
